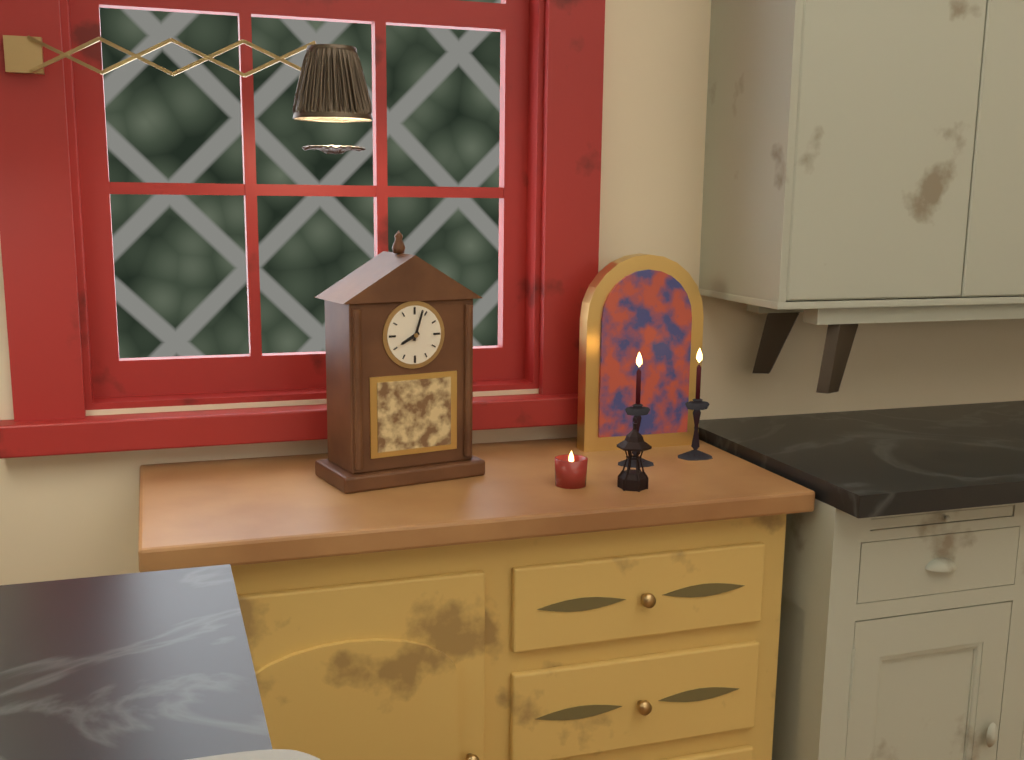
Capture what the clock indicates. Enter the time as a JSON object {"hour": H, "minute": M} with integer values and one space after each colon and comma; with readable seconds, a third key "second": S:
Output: {"hour": 8, "minute": 3}
